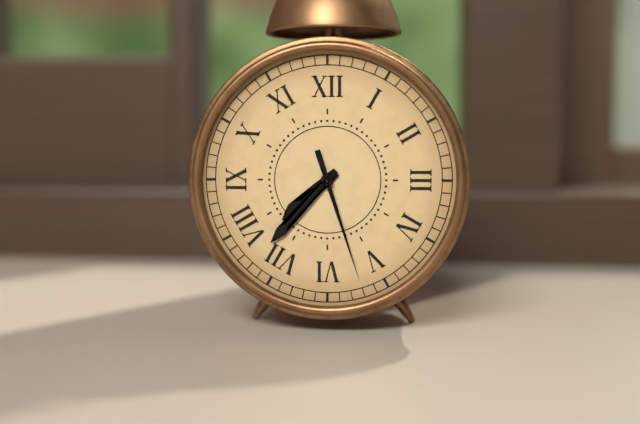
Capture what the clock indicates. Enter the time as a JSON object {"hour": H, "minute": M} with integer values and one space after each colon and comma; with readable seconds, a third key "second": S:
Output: {"hour": 7, "minute": 37, "second": 27}
